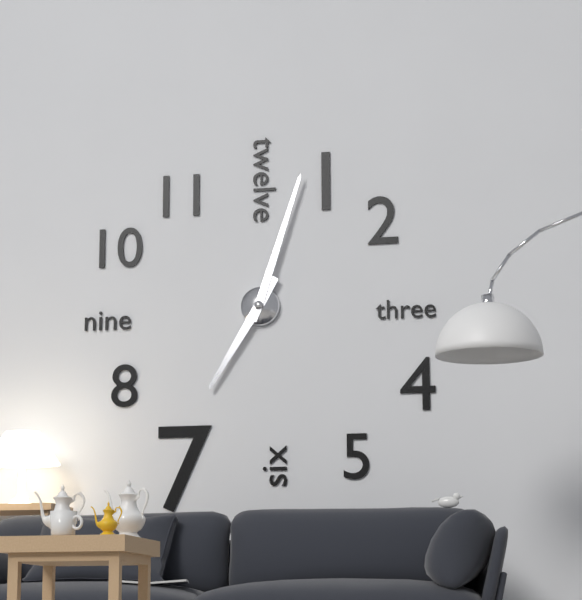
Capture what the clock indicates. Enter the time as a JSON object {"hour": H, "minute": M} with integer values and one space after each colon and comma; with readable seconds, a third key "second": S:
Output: {"hour": 7, "minute": 3}
